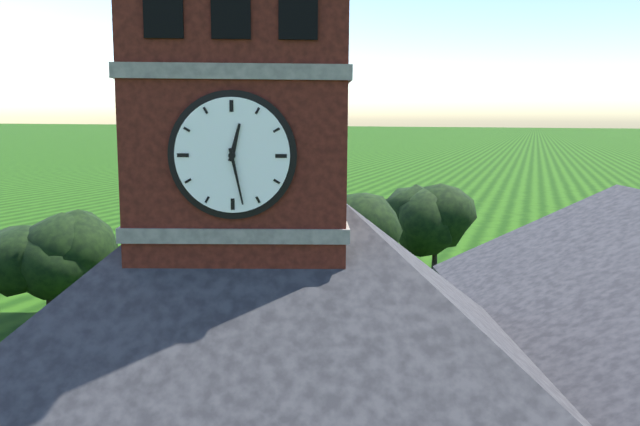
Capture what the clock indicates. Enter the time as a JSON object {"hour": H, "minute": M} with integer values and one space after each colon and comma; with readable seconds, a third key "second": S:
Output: {"hour": 12, "minute": 28}
